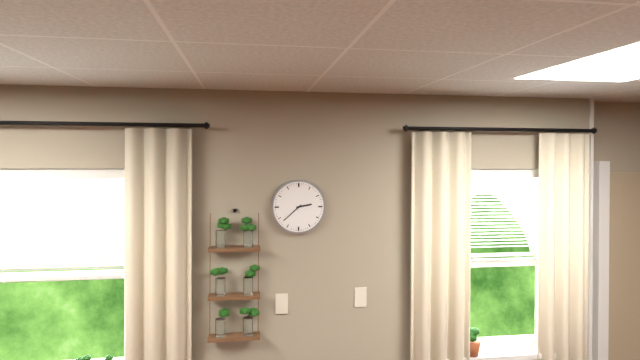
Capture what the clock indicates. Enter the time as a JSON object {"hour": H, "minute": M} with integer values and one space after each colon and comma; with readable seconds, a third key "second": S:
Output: {"hour": 2, "minute": 38}
